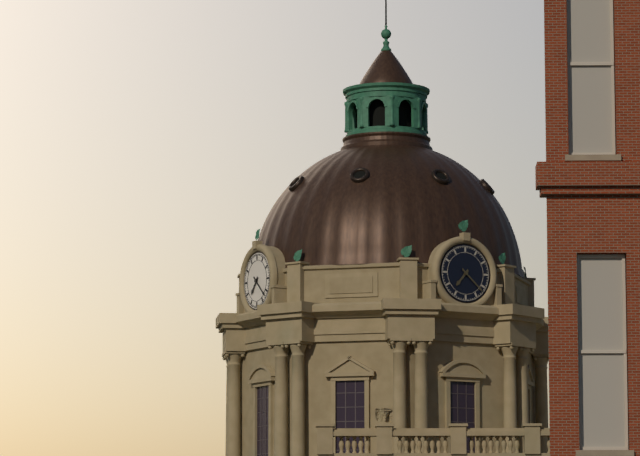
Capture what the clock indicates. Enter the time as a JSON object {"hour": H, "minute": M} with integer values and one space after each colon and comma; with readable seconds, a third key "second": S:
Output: {"hour": 7, "minute": 22}
